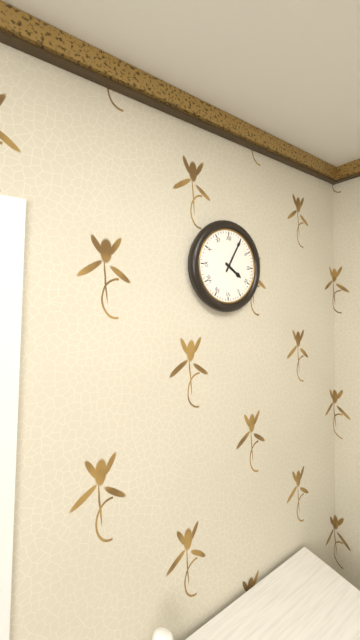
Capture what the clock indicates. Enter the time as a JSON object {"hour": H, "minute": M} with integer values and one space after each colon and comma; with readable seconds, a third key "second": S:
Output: {"hour": 4, "minute": 5}
